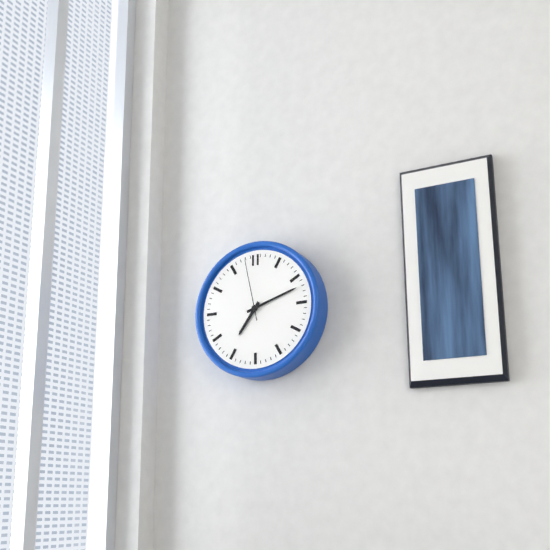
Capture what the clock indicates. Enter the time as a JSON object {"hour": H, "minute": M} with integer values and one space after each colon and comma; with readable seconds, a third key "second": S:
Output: {"hour": 7, "minute": 12, "second": 58}
